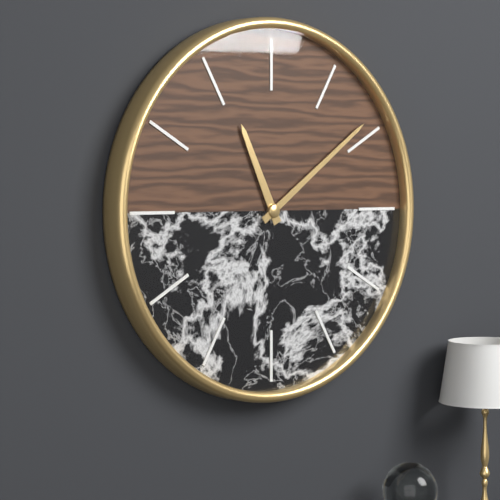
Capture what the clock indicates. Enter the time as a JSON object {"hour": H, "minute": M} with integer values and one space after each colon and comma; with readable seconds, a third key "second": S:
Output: {"hour": 11, "minute": 9}
